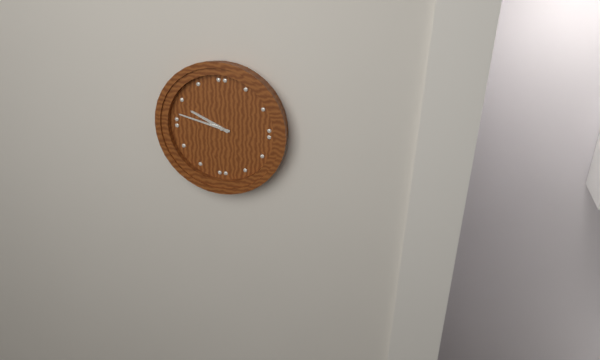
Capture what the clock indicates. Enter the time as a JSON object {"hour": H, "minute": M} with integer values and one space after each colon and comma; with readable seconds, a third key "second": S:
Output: {"hour": 9, "minute": 47}
